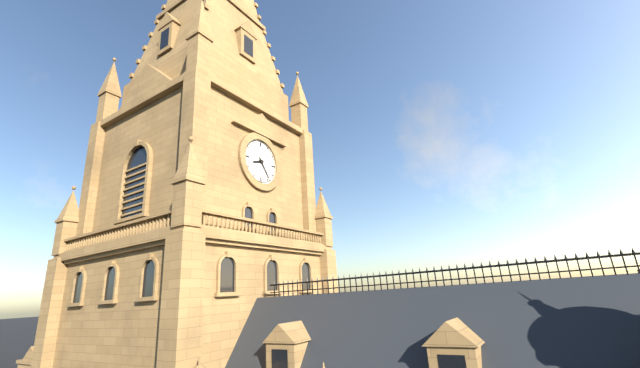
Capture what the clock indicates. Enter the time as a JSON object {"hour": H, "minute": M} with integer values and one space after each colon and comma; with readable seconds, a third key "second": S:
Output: {"hour": 8, "minute": 24}
